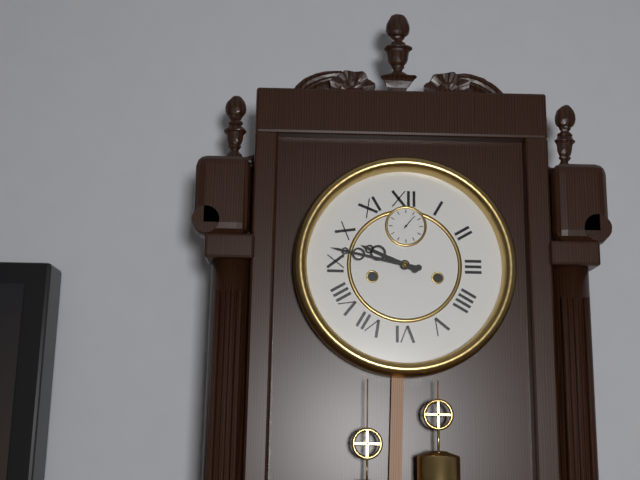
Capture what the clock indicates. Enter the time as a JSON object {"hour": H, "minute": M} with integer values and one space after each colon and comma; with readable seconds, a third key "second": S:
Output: {"hour": 9, "minute": 47}
